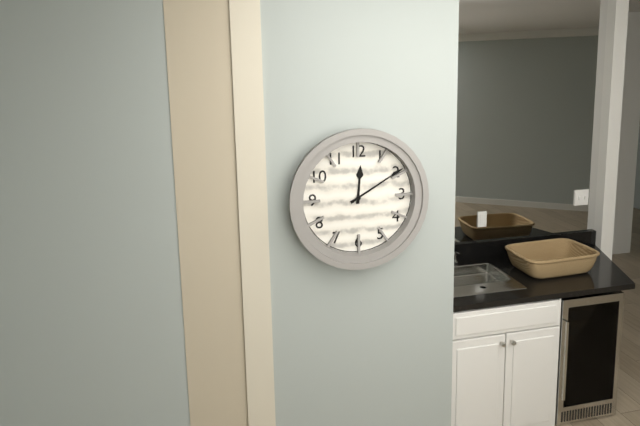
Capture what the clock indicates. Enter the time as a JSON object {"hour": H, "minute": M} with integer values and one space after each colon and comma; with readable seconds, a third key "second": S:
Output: {"hour": 12, "minute": 10}
